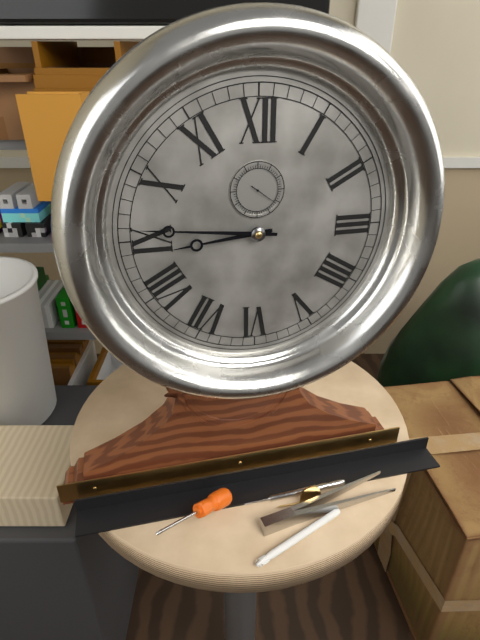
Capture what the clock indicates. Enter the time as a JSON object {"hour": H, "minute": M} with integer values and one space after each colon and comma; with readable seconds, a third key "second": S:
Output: {"hour": 8, "minute": 46}
